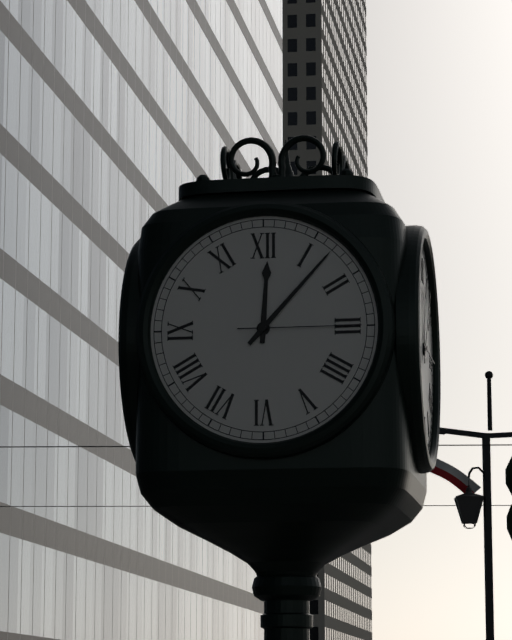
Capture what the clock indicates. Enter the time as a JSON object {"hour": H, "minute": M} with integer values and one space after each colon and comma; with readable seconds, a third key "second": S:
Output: {"hour": 12, "minute": 7, "second": 15}
